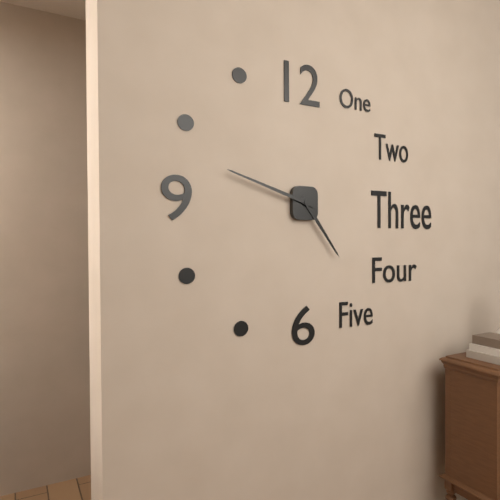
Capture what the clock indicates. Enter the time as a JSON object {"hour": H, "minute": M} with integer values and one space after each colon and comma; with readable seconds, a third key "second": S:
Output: {"hour": 4, "minute": 48}
